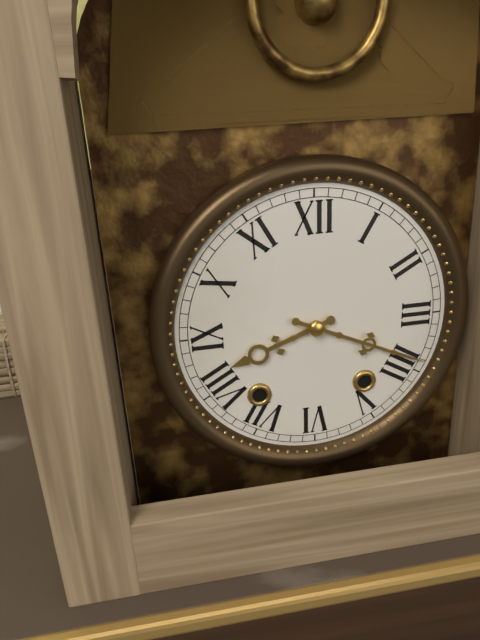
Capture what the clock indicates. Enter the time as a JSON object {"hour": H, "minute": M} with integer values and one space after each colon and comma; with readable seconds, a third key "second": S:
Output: {"hour": 8, "minute": 19}
